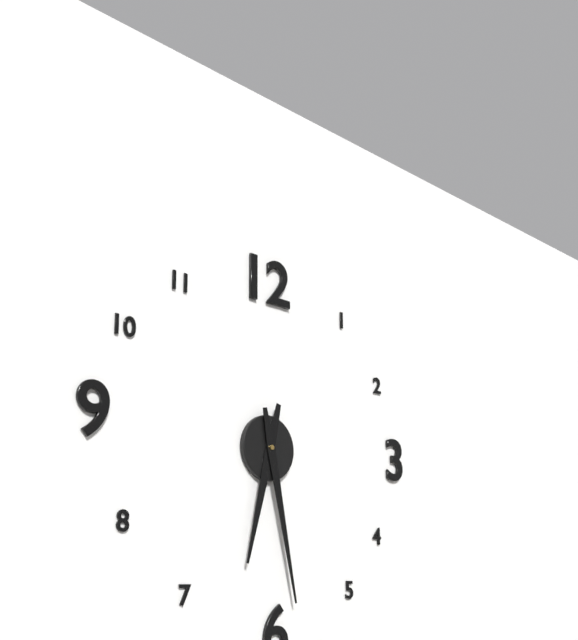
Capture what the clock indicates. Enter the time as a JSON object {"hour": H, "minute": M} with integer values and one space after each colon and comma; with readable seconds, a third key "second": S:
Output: {"hour": 6, "minute": 28}
